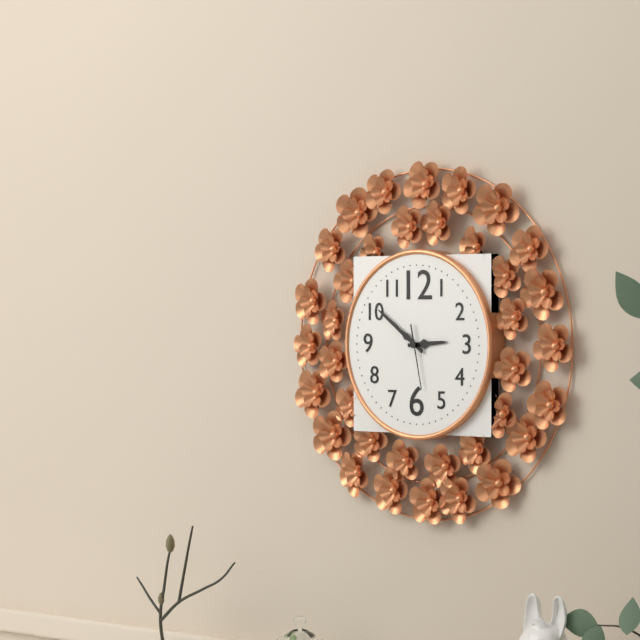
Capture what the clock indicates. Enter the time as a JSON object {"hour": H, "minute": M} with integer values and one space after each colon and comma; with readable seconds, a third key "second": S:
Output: {"hour": 2, "minute": 51, "second": 28}
